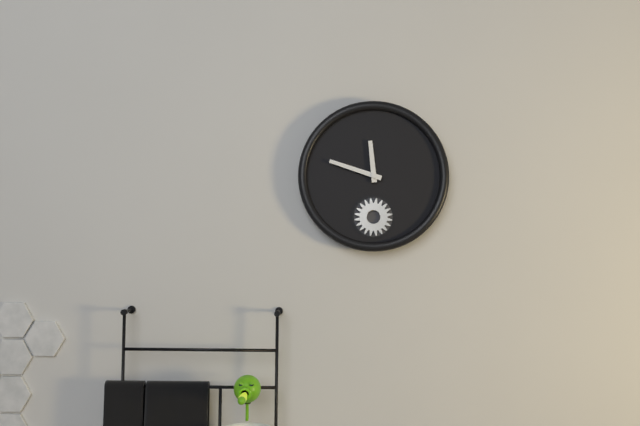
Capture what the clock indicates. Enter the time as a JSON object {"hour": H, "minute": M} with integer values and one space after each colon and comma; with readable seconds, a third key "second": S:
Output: {"hour": 11, "minute": 48}
